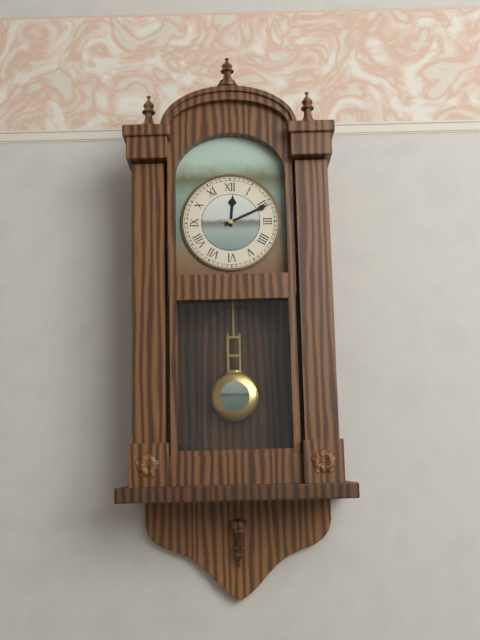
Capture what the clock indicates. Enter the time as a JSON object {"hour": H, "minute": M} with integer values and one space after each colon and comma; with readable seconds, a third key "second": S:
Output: {"hour": 12, "minute": 11}
